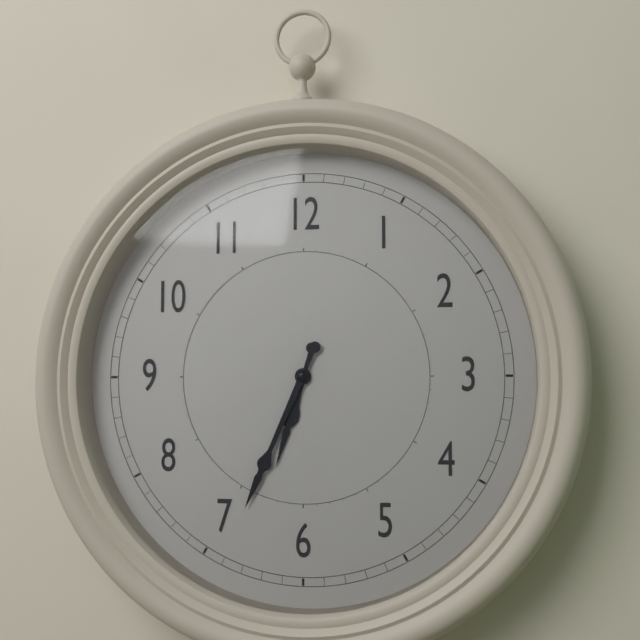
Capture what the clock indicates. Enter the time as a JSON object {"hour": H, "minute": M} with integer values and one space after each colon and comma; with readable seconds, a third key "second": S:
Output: {"hour": 6, "minute": 34}
